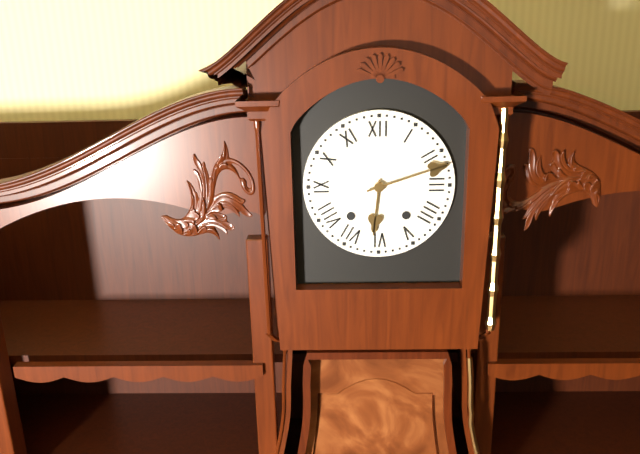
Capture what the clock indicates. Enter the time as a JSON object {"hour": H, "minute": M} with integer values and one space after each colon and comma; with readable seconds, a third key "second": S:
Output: {"hour": 6, "minute": 12}
